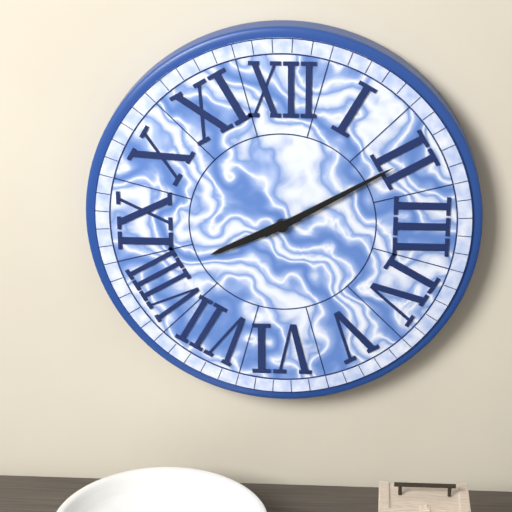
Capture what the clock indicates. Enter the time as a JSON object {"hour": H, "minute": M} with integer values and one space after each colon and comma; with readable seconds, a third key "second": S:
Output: {"hour": 8, "minute": 10}
